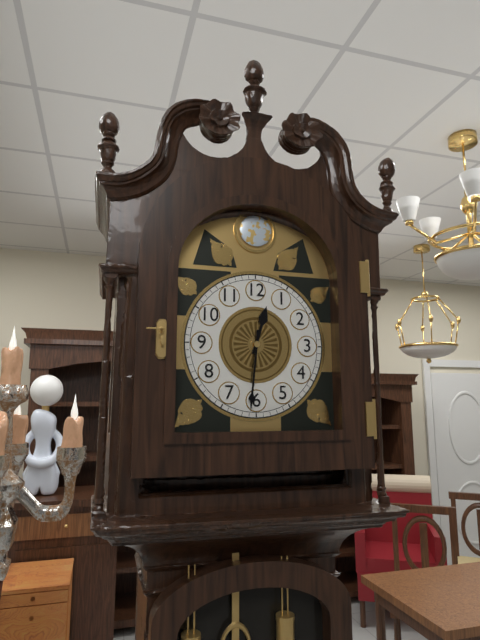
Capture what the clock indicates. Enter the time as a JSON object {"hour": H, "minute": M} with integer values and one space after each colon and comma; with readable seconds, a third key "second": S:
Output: {"hour": 12, "minute": 31}
